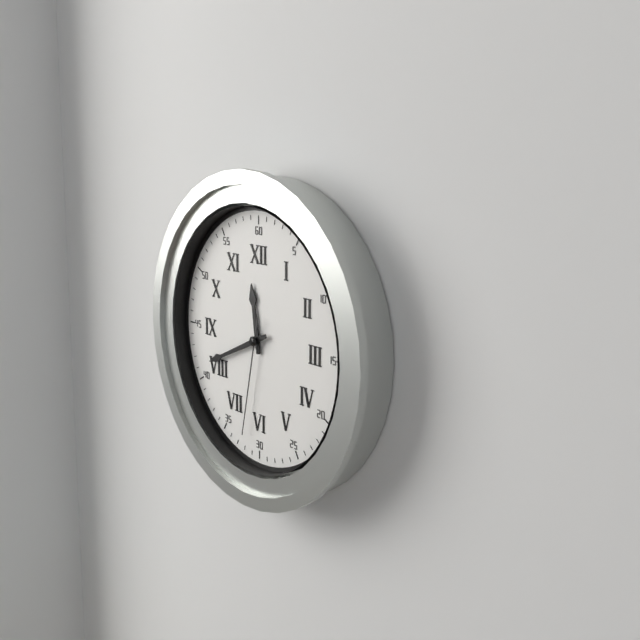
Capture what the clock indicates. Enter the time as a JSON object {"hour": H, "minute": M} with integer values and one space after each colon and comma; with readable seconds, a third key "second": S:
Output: {"hour": 11, "minute": 41, "second": 32}
